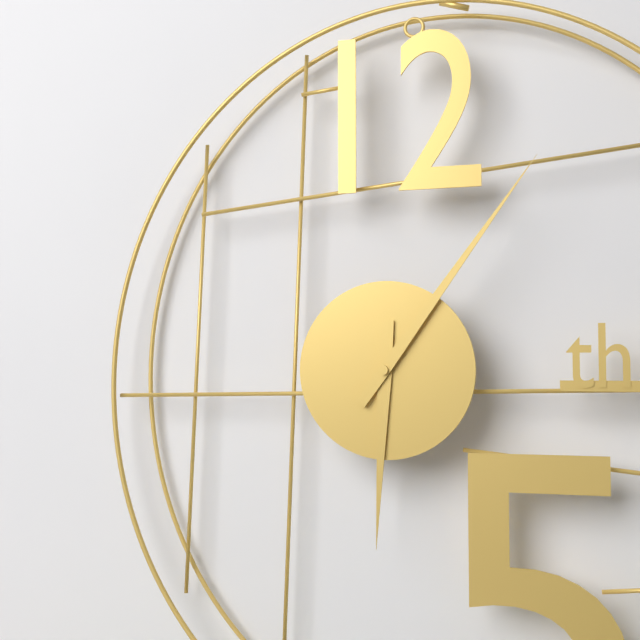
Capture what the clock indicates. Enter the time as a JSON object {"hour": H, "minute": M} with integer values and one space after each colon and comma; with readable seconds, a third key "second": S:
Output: {"hour": 6, "minute": 6}
